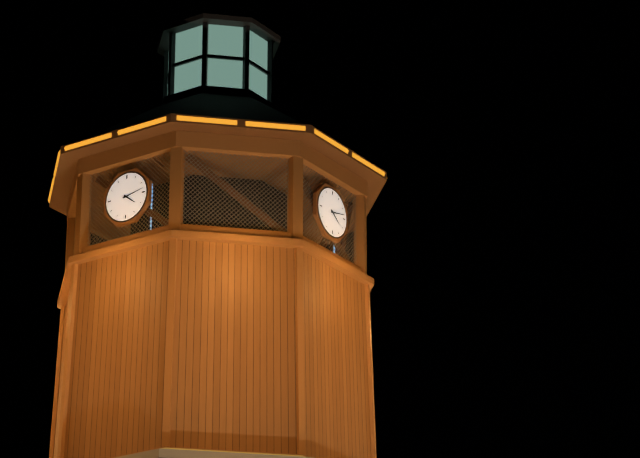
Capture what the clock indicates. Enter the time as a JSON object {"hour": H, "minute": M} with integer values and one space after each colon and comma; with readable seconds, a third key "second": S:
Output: {"hour": 4, "minute": 13}
